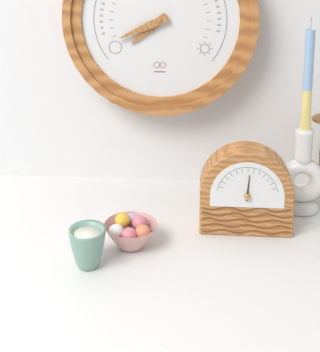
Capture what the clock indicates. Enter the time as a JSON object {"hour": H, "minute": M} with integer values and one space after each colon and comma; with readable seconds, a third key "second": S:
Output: {"hour": 7, "minute": 41}
